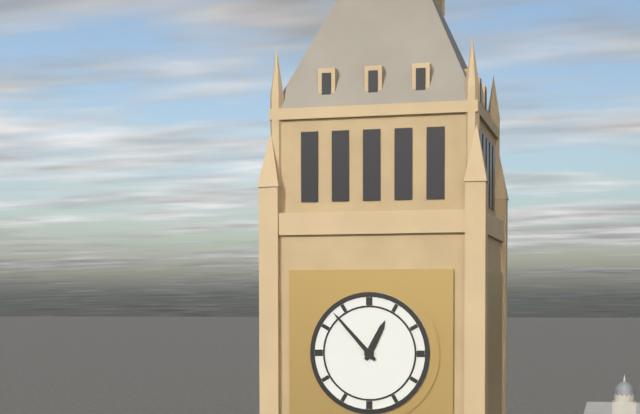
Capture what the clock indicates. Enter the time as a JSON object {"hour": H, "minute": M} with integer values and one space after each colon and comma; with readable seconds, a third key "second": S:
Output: {"hour": 12, "minute": 53}
